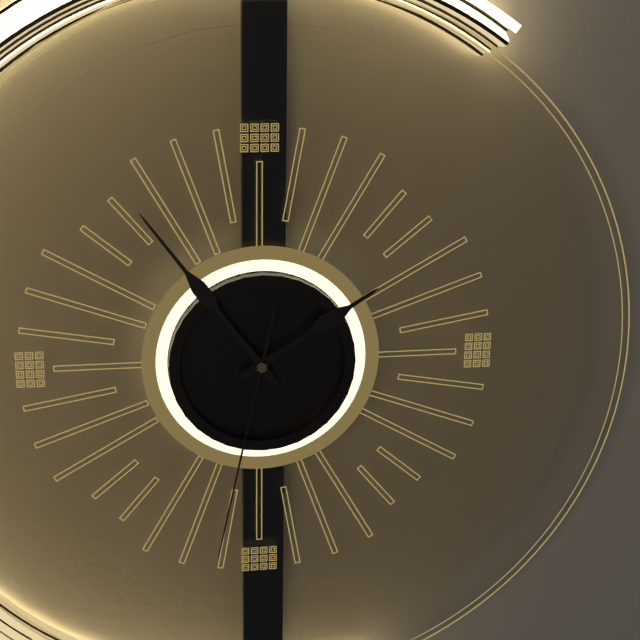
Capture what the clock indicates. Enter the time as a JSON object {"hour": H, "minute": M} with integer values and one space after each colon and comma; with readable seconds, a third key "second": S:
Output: {"hour": 1, "minute": 54, "second": 32}
